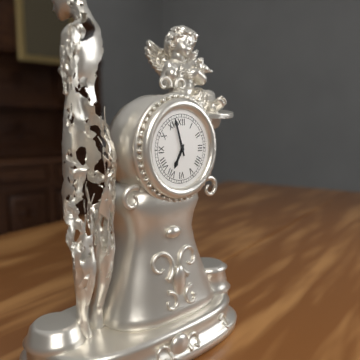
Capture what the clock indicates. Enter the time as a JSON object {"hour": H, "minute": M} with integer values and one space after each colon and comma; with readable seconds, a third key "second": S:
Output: {"hour": 6, "minute": 57}
